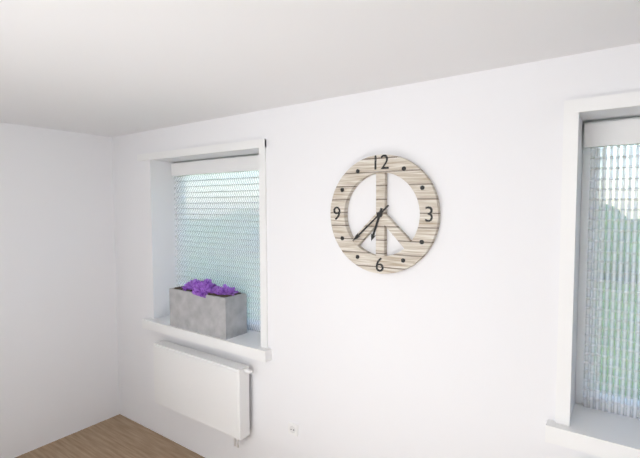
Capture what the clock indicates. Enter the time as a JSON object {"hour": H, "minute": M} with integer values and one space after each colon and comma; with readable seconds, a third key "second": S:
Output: {"hour": 6, "minute": 38}
